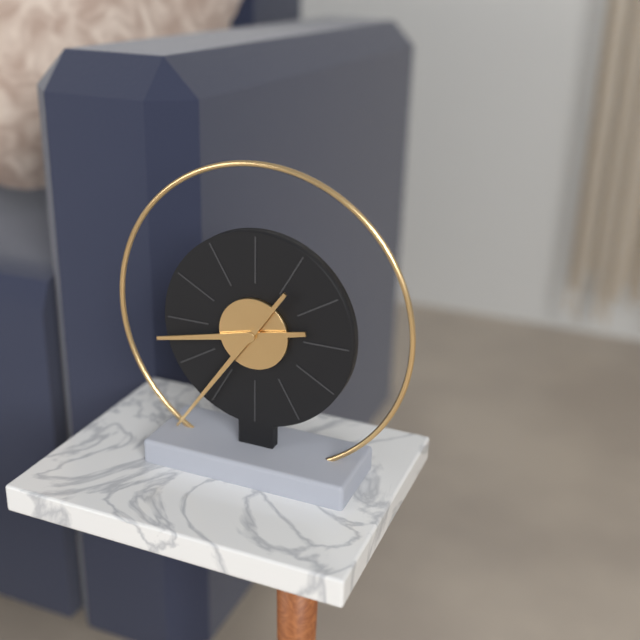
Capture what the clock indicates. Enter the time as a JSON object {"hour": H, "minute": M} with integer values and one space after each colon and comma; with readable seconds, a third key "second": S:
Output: {"hour": 8, "minute": 36}
